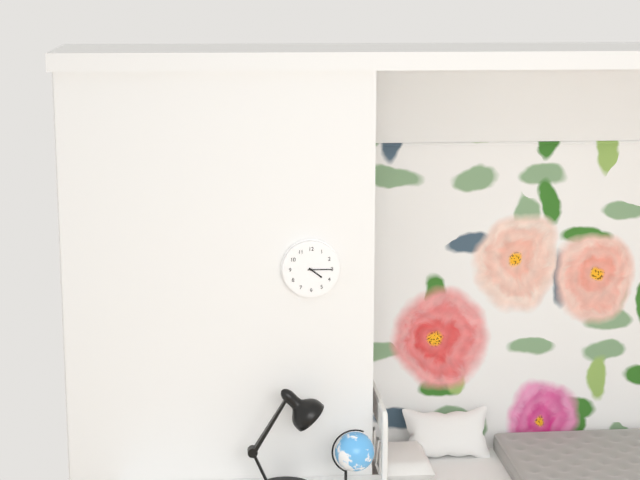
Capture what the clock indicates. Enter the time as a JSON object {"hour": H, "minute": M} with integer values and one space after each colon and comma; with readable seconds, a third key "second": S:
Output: {"hour": 4, "minute": 15}
